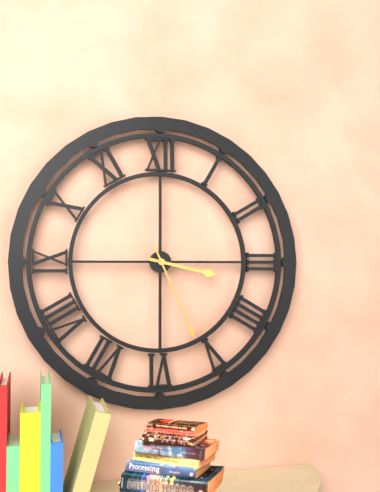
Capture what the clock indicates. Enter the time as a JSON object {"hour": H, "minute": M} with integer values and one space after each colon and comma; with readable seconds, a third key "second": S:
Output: {"hour": 3, "minute": 26}
